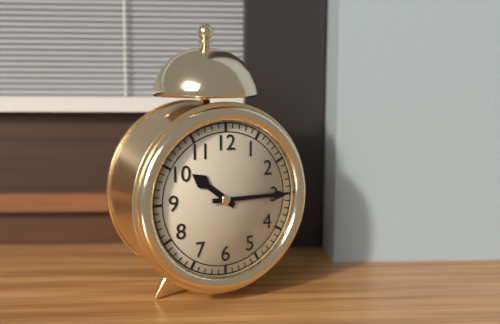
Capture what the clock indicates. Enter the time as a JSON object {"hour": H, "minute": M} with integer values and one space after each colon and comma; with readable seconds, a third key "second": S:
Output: {"hour": 10, "minute": 15}
